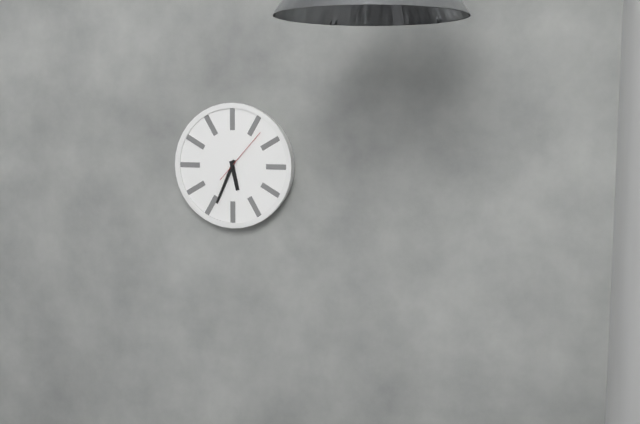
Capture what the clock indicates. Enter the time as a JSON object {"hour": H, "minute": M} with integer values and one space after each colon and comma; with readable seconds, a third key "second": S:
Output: {"hour": 5, "minute": 34, "second": 7}
